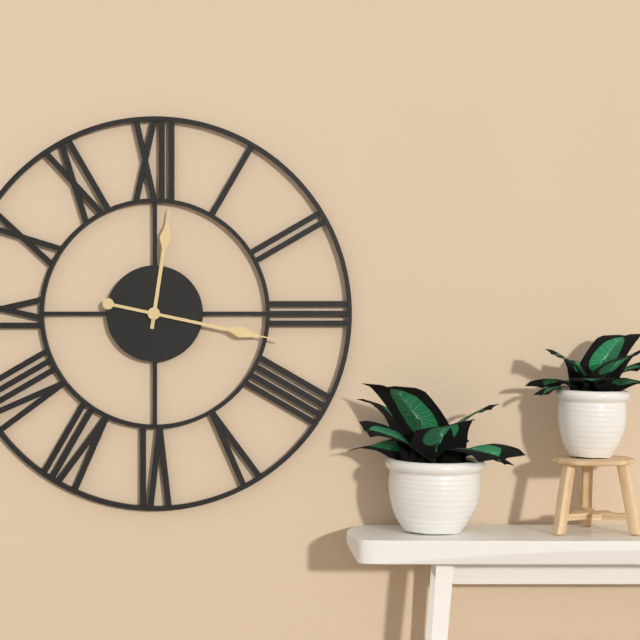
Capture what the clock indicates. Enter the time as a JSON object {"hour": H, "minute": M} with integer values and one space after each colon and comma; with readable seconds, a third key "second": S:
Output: {"hour": 12, "minute": 17}
